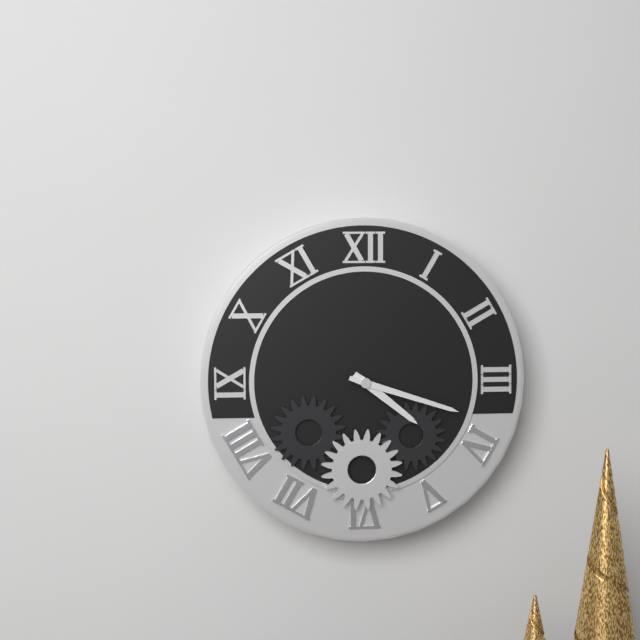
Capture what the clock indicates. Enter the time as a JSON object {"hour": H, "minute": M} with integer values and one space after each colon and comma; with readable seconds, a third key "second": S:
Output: {"hour": 4, "minute": 18}
